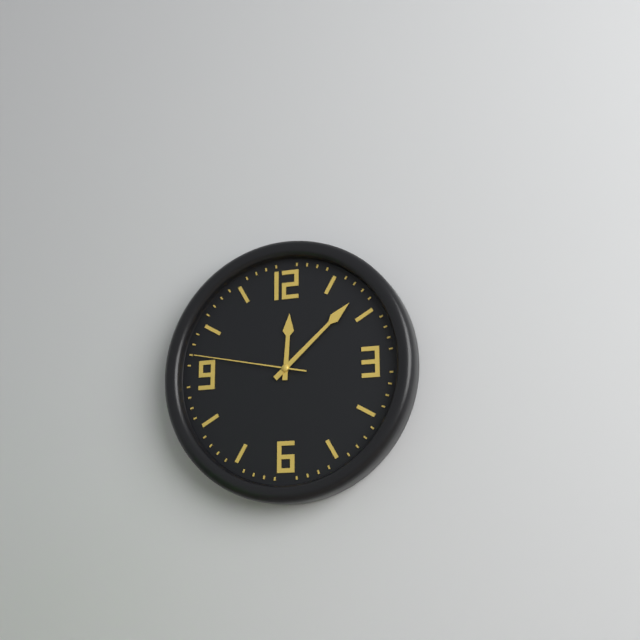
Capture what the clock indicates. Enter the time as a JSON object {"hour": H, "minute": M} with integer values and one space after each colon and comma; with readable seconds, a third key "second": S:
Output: {"hour": 12, "minute": 8, "second": 47}
